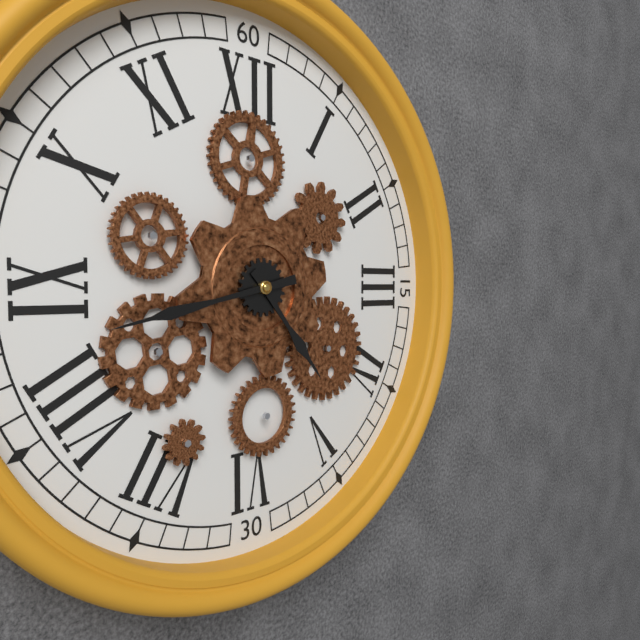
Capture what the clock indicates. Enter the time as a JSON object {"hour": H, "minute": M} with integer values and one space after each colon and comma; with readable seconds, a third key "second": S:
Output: {"hour": 4, "minute": 43}
